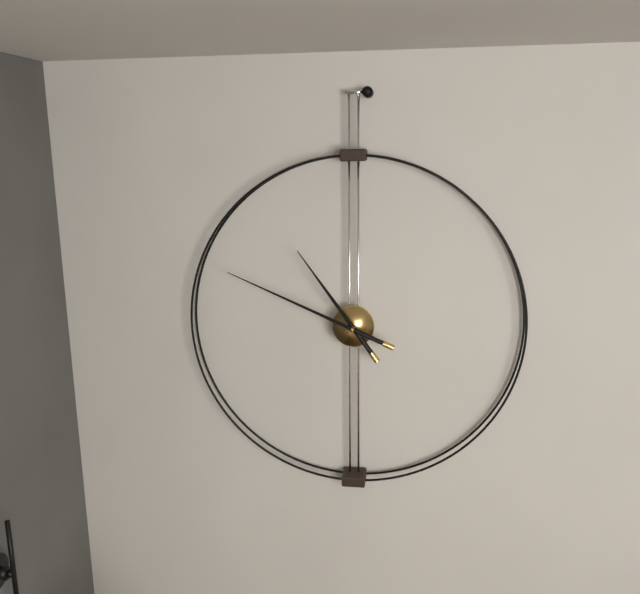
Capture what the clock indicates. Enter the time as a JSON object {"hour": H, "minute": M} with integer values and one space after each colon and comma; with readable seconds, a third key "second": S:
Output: {"hour": 10, "minute": 49}
